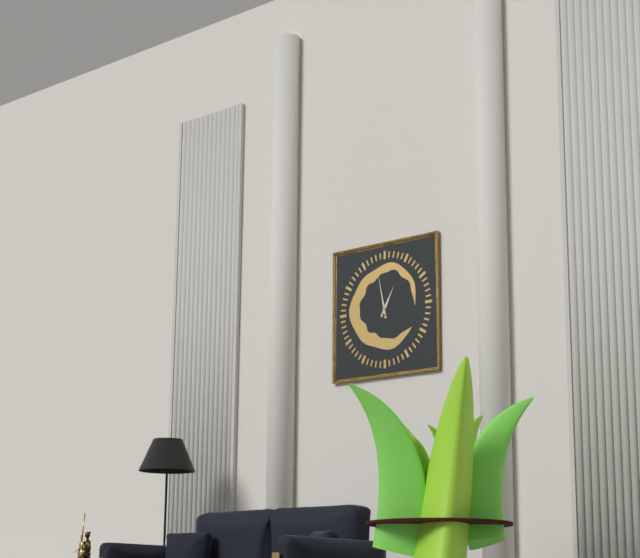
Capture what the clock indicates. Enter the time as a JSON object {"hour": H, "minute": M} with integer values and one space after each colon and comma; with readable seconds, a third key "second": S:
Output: {"hour": 12, "minute": 58}
